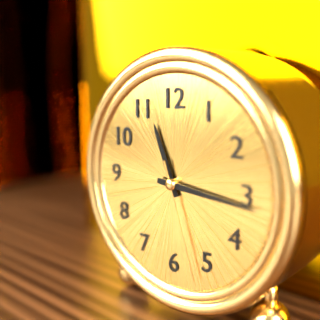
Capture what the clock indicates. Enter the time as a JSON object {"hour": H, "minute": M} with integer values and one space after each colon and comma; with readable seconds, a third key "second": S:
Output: {"hour": 11, "minute": 16, "second": 27}
